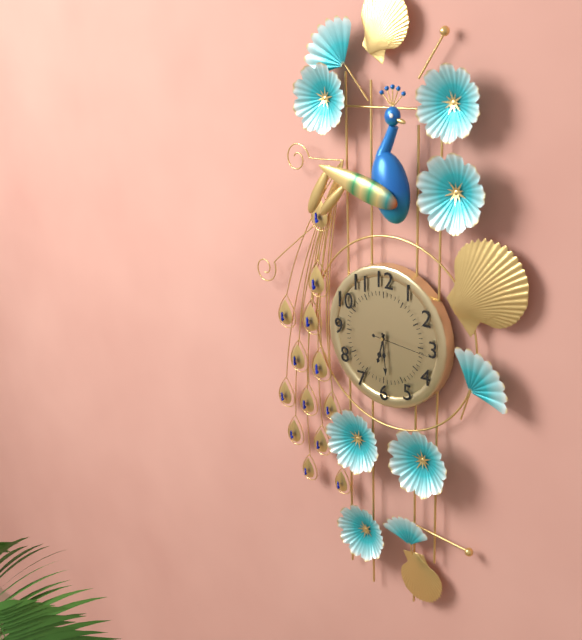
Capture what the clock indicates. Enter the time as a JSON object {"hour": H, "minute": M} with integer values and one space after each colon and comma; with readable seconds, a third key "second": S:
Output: {"hour": 6, "minute": 29, "second": 16}
